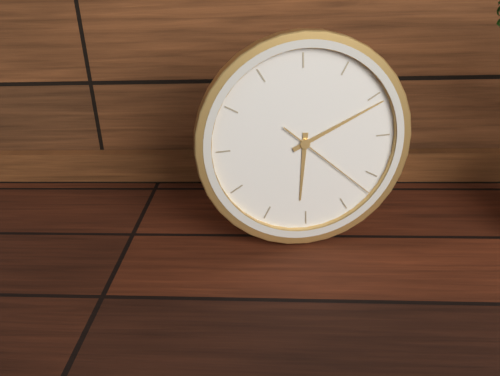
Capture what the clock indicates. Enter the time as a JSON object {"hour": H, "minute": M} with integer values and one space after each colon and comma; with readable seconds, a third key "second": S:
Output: {"hour": 6, "minute": 11, "second": 22}
